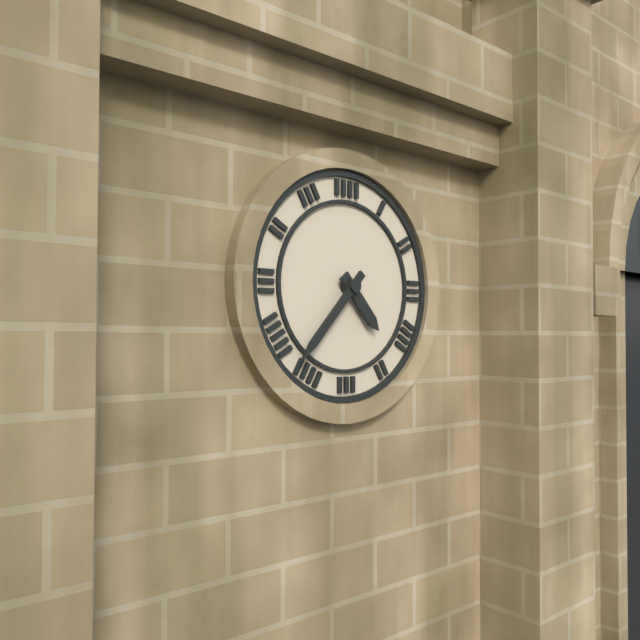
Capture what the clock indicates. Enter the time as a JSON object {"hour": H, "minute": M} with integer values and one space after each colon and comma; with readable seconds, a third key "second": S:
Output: {"hour": 4, "minute": 37}
